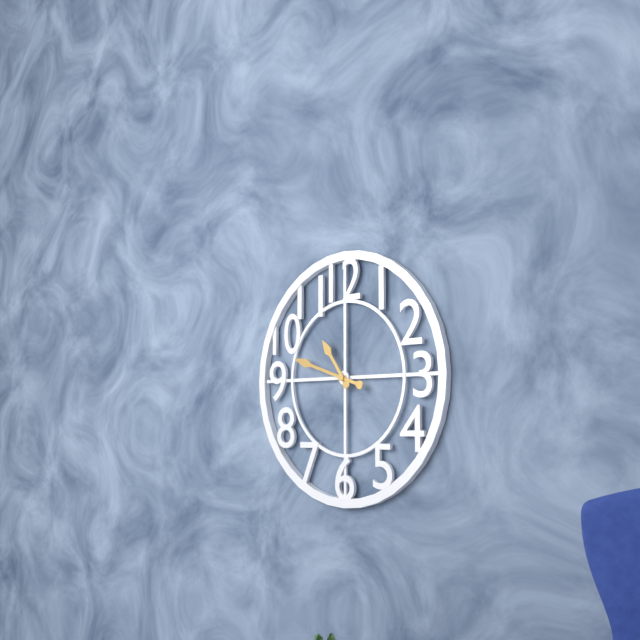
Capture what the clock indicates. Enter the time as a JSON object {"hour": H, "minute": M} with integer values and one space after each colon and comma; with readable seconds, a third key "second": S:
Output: {"hour": 10, "minute": 48}
